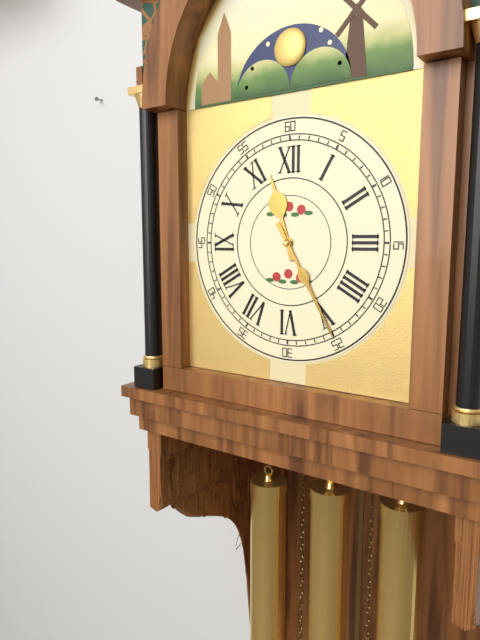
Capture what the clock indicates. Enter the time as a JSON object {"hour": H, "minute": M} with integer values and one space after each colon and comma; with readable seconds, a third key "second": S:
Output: {"hour": 11, "minute": 25}
